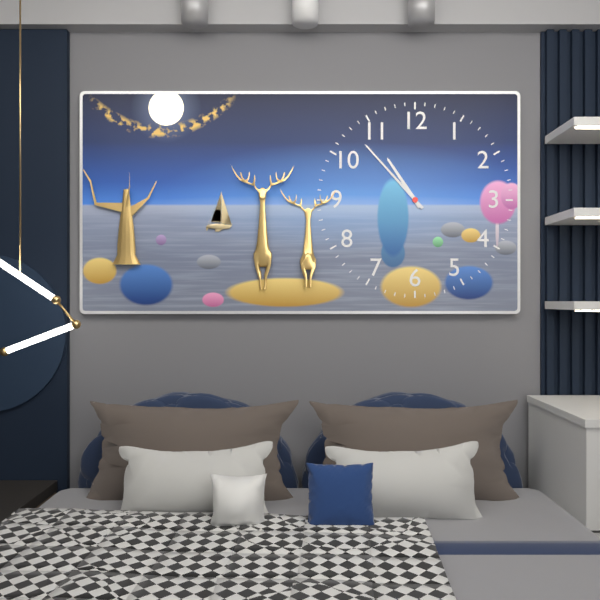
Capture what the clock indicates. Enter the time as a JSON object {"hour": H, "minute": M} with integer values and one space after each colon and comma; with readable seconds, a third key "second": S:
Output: {"hour": 10, "minute": 53}
